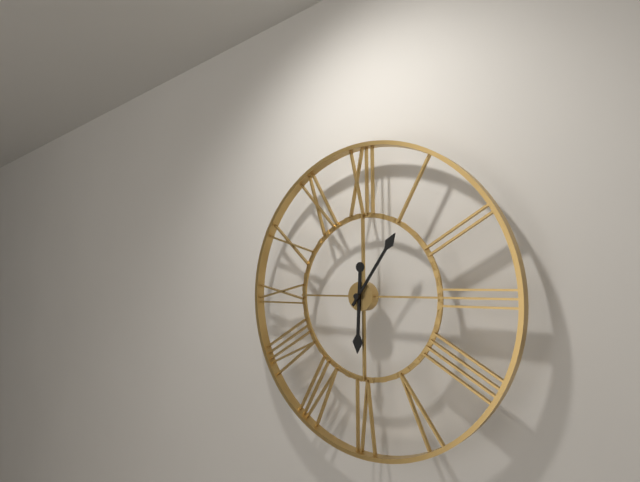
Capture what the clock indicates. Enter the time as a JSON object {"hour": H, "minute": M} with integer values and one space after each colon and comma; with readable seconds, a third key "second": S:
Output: {"hour": 6, "minute": 6}
